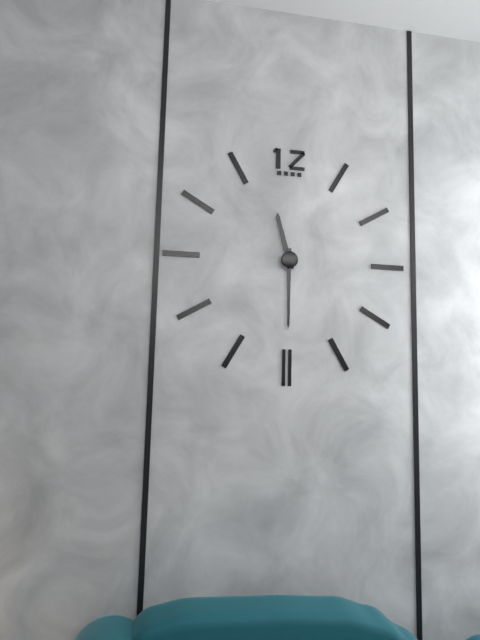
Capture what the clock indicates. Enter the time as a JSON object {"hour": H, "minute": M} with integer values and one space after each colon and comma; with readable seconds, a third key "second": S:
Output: {"hour": 11, "minute": 30}
